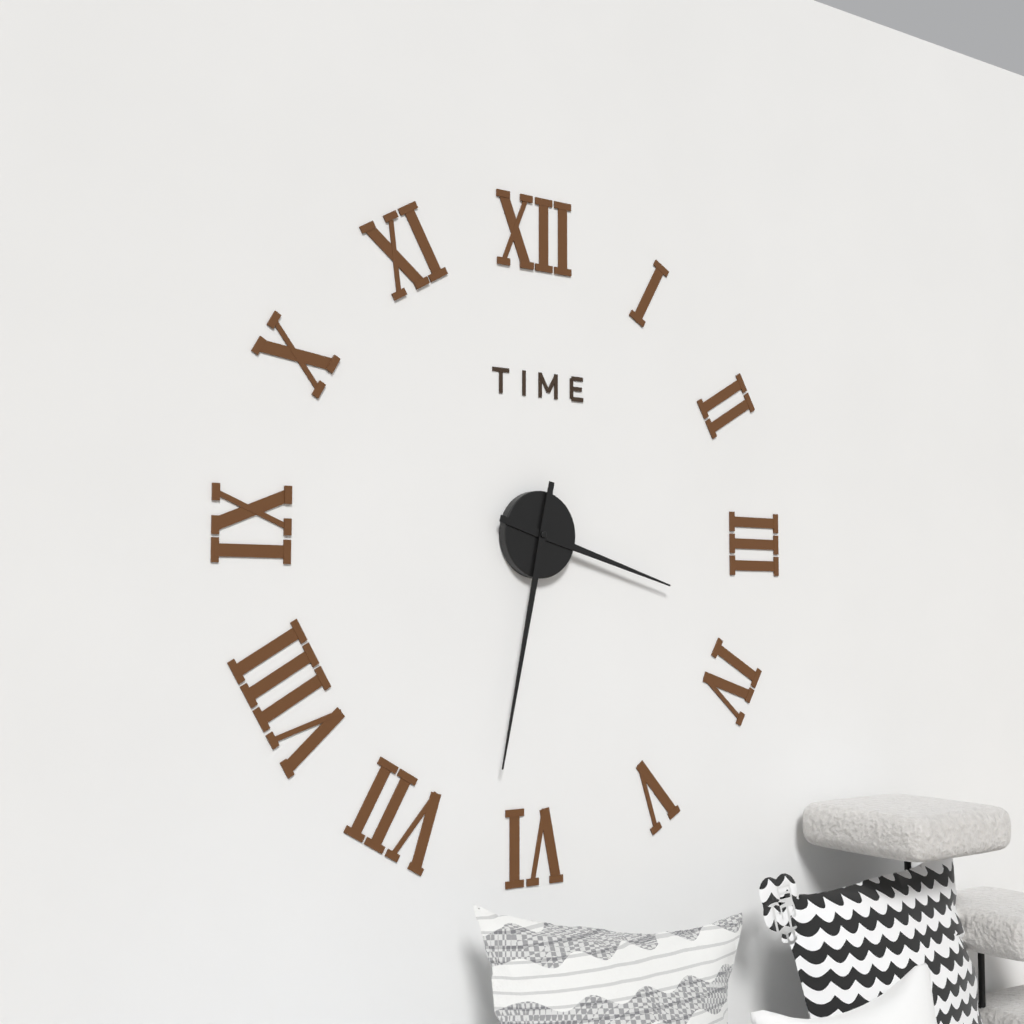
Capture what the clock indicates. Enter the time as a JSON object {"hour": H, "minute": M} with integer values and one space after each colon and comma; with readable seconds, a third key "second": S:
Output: {"hour": 3, "minute": 32}
